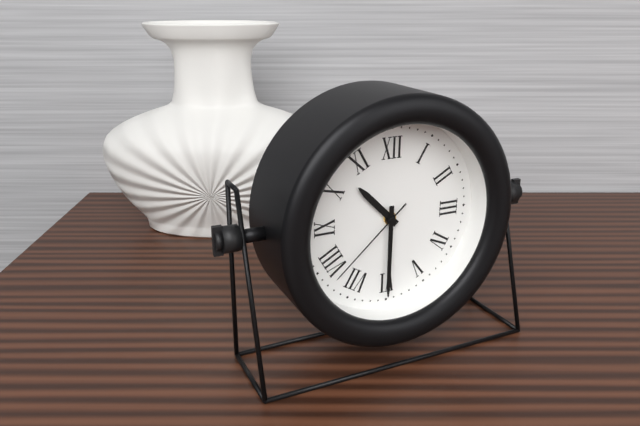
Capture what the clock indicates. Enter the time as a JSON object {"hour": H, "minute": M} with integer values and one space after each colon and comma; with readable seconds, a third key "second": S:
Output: {"hour": 10, "minute": 30, "second": 38}
